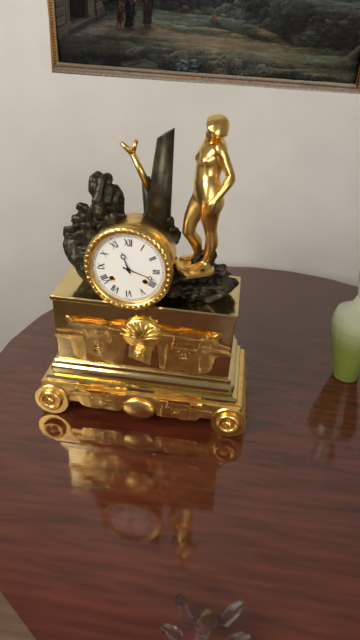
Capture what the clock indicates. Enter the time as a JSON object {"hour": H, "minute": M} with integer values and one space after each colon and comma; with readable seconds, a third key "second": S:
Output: {"hour": 11, "minute": 18}
